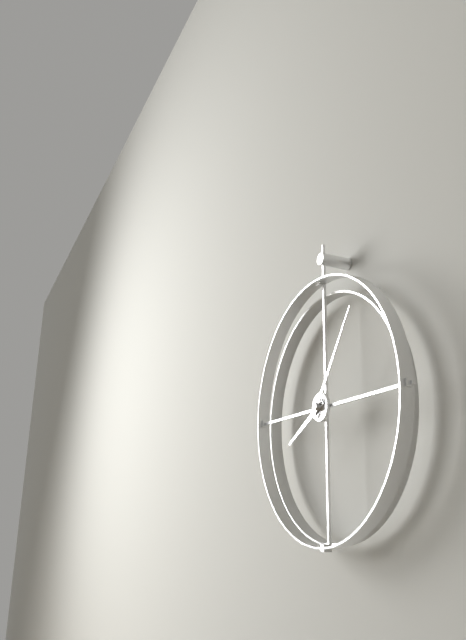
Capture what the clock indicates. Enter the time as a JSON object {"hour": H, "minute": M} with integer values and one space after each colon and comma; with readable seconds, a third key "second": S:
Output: {"hour": 8, "minute": 6}
